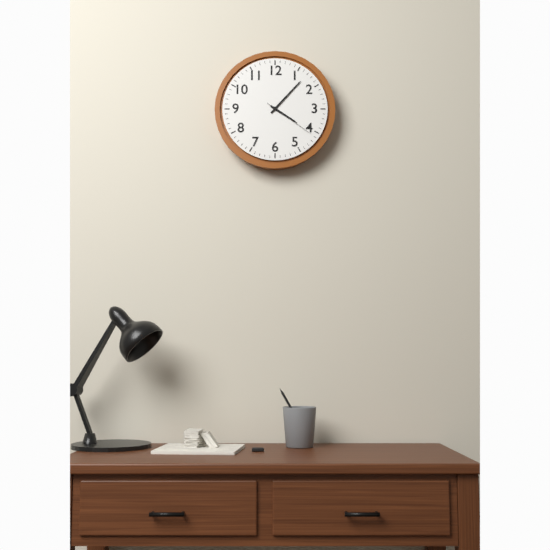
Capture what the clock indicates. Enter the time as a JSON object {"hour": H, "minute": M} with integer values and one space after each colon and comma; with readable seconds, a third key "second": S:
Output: {"hour": 4, "minute": 7, "second": 21}
